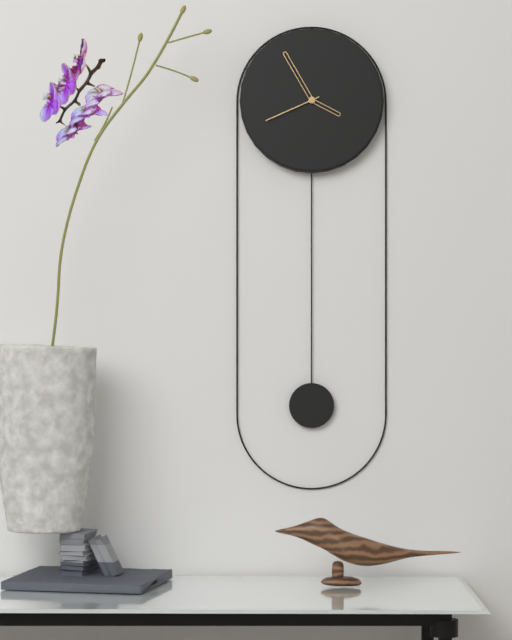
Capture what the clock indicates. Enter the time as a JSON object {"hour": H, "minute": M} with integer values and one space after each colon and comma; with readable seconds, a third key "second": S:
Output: {"hour": 3, "minute": 55, "second": 41}
